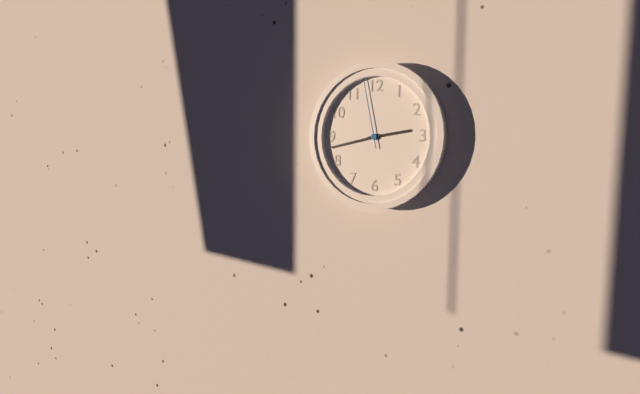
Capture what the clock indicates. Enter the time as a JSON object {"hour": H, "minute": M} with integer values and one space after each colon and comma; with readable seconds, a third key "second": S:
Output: {"hour": 2, "minute": 43, "second": 58}
